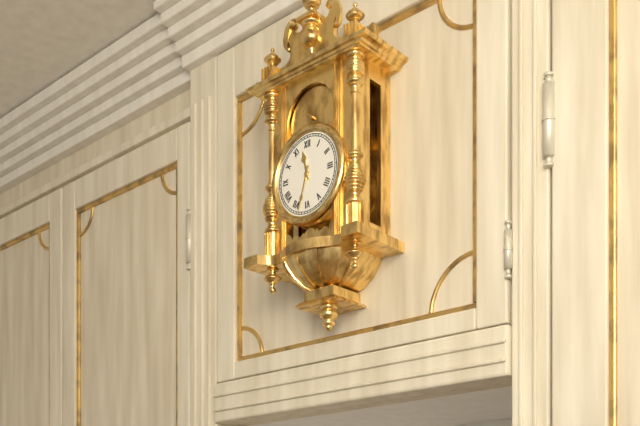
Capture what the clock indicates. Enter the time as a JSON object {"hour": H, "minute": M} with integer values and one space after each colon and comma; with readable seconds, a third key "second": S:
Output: {"hour": 11, "minute": 33}
